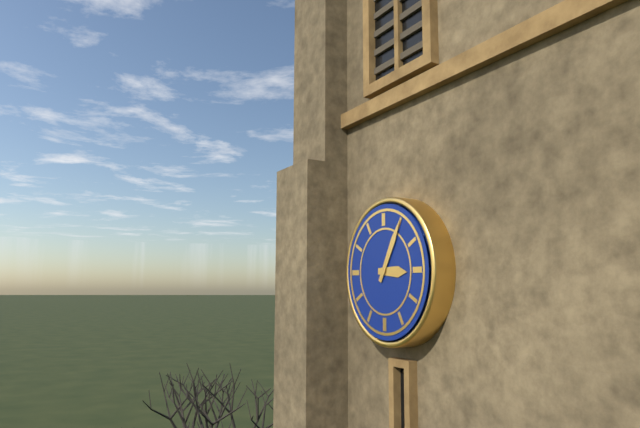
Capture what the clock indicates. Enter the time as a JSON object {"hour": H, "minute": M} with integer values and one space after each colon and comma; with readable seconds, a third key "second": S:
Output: {"hour": 3, "minute": 5}
